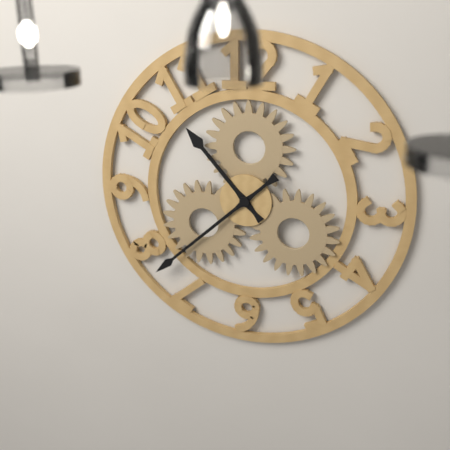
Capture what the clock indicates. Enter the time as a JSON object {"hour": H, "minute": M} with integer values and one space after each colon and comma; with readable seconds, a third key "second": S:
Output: {"hour": 10, "minute": 38}
